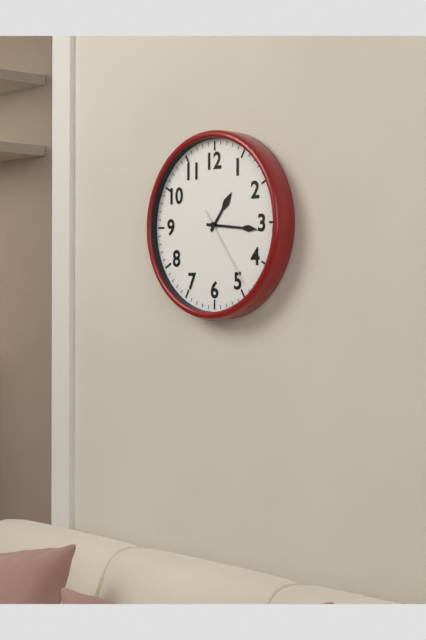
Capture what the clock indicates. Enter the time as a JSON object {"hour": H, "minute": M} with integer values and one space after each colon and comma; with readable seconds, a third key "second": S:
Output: {"hour": 1, "minute": 16, "second": 24}
